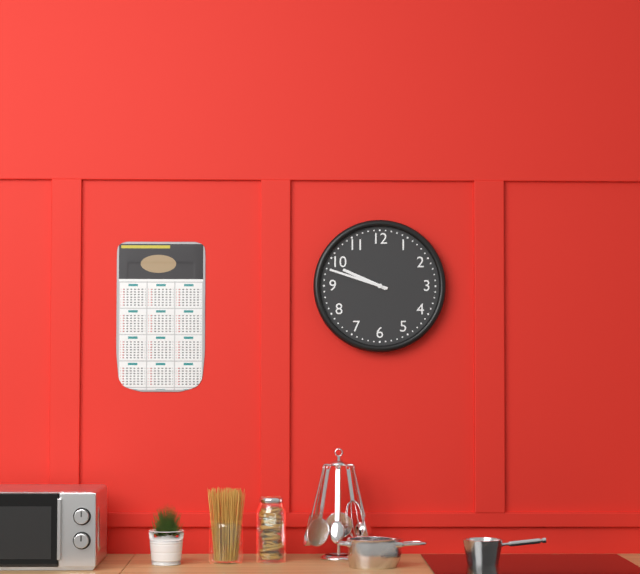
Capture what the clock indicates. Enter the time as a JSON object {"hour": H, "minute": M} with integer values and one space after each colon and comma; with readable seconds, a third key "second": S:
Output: {"hour": 9, "minute": 48}
